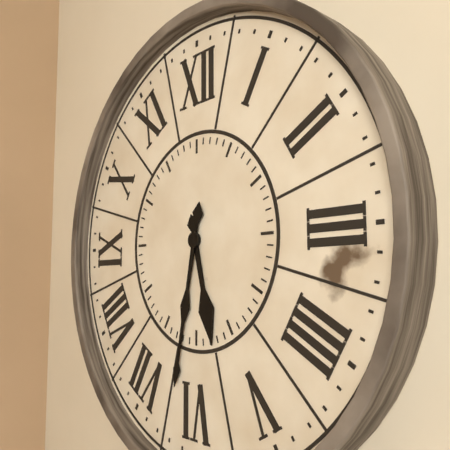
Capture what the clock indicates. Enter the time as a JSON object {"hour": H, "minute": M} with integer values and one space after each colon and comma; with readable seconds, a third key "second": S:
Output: {"hour": 5, "minute": 32}
